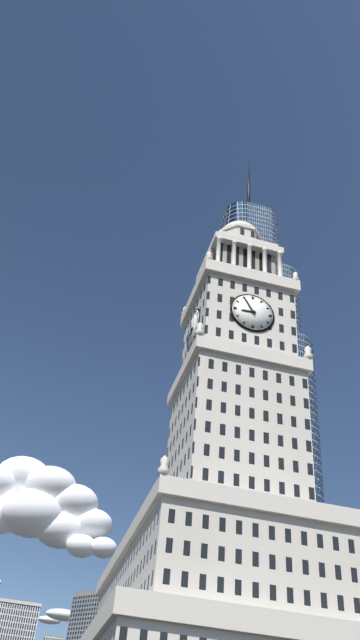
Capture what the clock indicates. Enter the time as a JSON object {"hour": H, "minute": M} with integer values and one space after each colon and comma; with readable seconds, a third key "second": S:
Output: {"hour": 8, "minute": 55}
